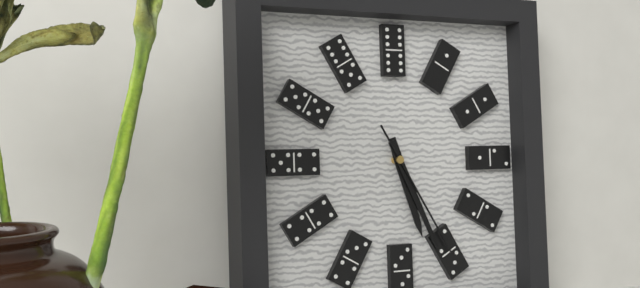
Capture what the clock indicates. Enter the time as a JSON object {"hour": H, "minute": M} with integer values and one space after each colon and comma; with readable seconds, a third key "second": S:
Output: {"hour": 5, "minute": 26, "second": 25}
